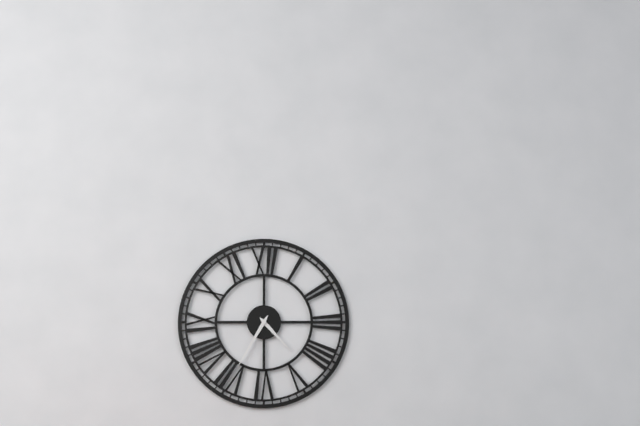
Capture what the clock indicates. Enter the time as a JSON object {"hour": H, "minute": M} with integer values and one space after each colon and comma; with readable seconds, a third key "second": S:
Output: {"hour": 4, "minute": 35}
